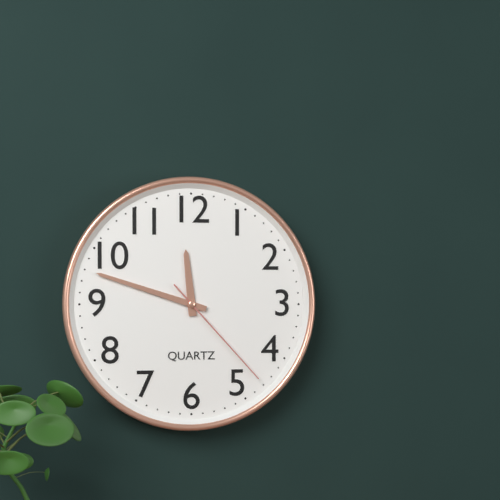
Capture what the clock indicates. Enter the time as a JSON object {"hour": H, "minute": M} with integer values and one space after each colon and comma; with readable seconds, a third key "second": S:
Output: {"hour": 11, "minute": 48, "second": 23}
